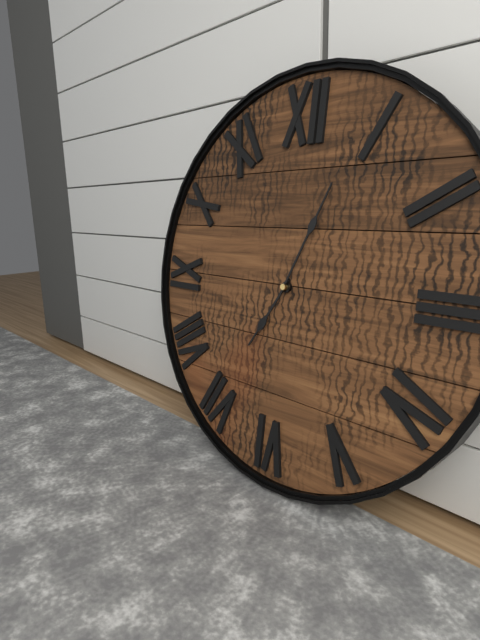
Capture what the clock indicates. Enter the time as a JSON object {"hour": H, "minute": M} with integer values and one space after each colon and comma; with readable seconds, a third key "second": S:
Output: {"hour": 7, "minute": 4}
